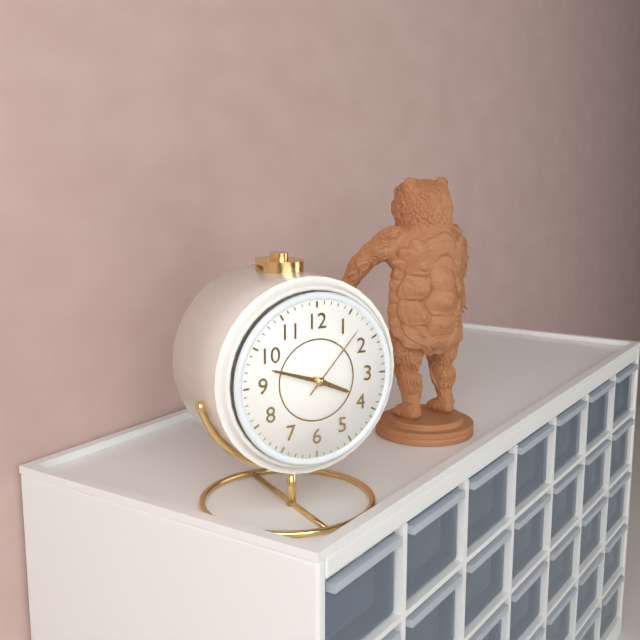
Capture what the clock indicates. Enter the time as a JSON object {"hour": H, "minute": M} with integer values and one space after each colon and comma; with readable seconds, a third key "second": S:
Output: {"hour": 3, "minute": 48, "second": 7}
